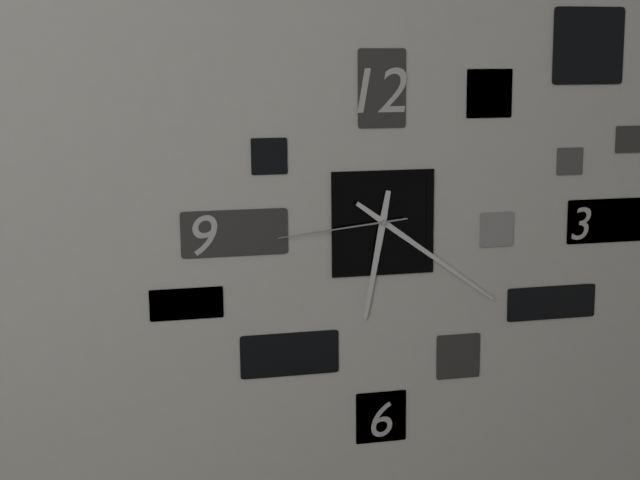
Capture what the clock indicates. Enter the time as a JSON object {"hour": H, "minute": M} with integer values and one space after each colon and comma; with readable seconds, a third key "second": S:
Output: {"hour": 6, "minute": 21, "second": 44}
